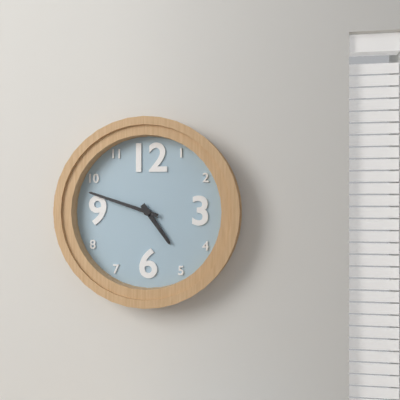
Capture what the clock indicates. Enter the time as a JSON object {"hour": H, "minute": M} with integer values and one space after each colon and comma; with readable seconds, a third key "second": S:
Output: {"hour": 4, "minute": 48}
